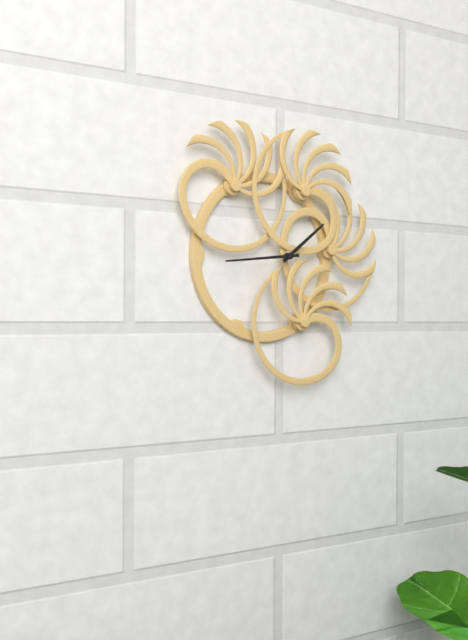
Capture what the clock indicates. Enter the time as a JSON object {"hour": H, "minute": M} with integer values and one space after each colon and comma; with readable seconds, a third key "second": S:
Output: {"hour": 1, "minute": 44}
